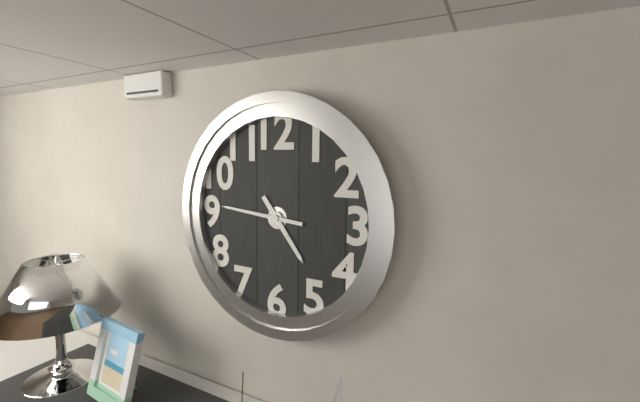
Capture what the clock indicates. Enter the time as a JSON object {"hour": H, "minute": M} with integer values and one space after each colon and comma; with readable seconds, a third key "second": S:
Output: {"hour": 4, "minute": 46}
